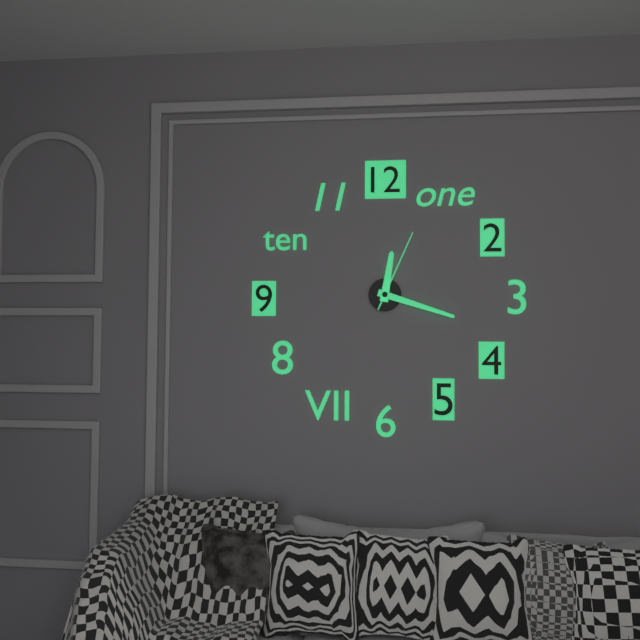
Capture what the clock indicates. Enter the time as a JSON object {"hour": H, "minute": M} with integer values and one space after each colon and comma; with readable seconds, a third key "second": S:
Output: {"hour": 12, "minute": 18, "second": 4}
